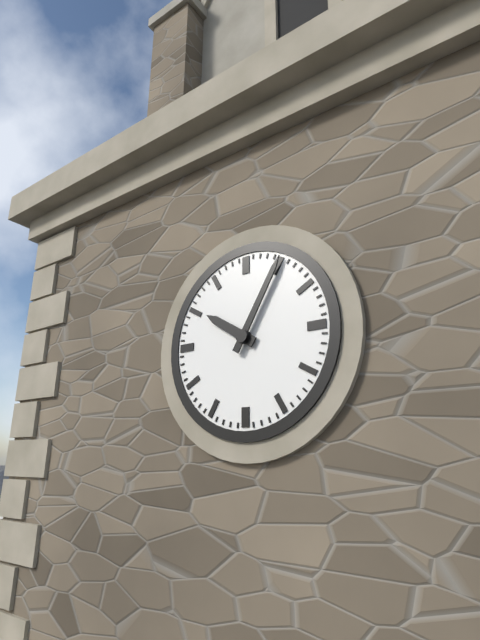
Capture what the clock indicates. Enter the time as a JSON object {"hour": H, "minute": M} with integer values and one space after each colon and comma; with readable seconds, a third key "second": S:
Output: {"hour": 10, "minute": 5}
